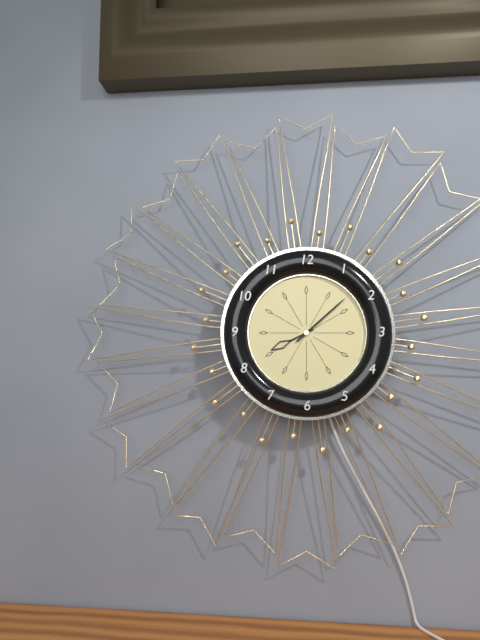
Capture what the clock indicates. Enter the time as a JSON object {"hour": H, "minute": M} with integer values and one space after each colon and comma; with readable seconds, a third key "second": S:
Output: {"hour": 8, "minute": 8}
